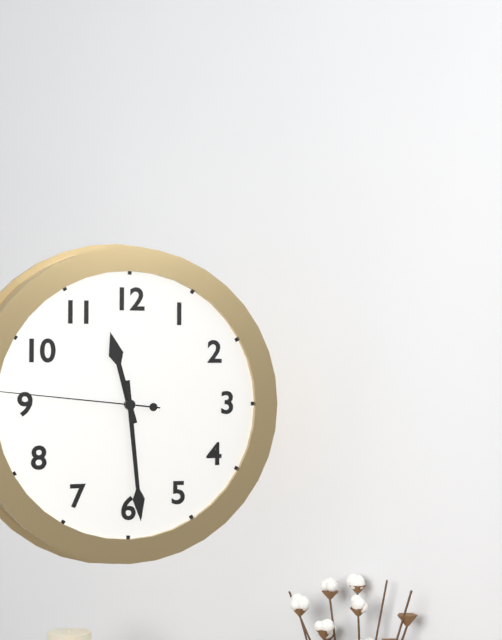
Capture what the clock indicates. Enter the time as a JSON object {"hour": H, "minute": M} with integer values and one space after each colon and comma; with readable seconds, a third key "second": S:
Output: {"hour": 11, "minute": 29}
